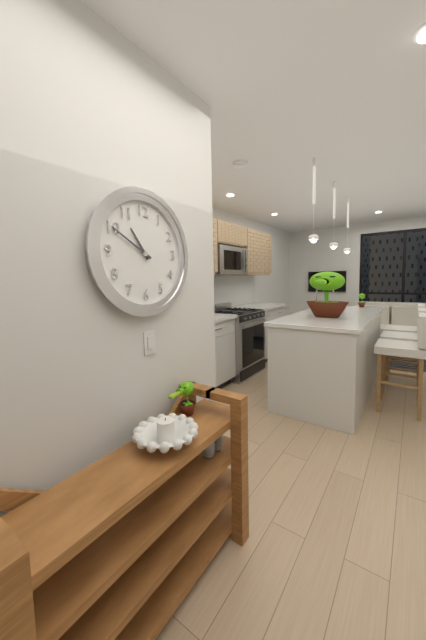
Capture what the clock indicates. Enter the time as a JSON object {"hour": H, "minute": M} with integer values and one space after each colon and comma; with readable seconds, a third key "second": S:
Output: {"hour": 10, "minute": 50}
